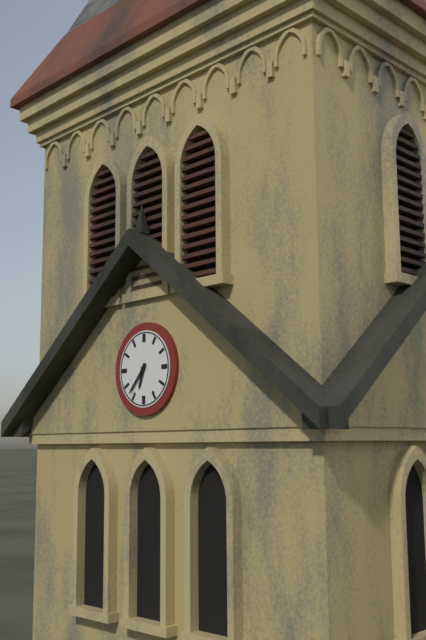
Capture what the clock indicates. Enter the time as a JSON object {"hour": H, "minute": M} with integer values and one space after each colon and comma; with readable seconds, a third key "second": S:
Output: {"hour": 6, "minute": 37}
